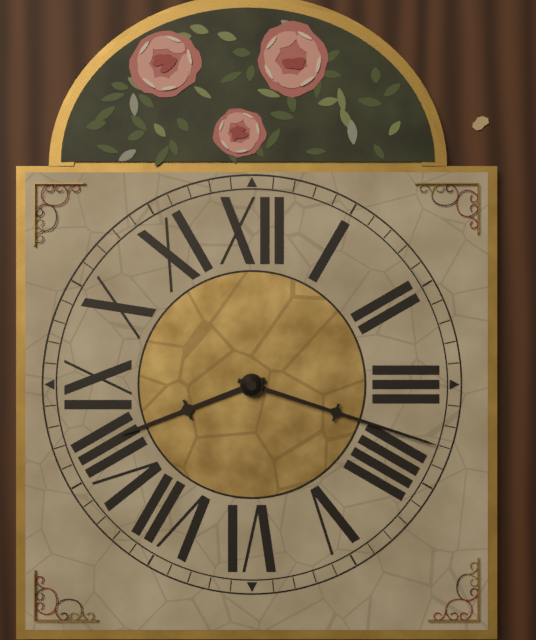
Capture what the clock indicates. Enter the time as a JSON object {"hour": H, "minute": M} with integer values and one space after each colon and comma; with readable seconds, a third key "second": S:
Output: {"hour": 8, "minute": 18}
